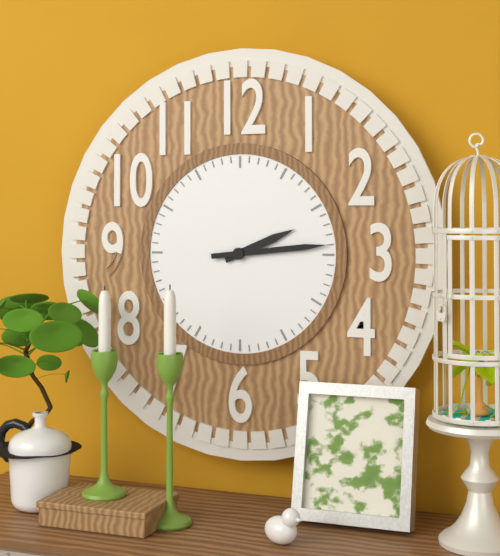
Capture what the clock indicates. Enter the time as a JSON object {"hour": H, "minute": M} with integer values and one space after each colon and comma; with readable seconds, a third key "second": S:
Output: {"hour": 2, "minute": 14}
